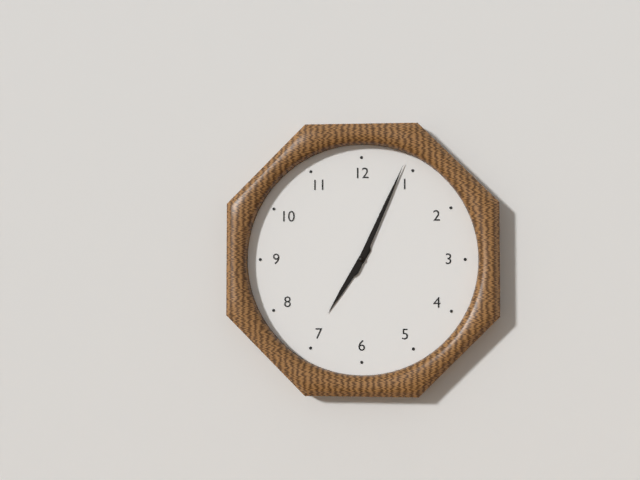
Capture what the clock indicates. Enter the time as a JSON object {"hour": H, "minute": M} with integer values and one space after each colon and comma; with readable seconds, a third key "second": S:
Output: {"hour": 7, "minute": 4}
